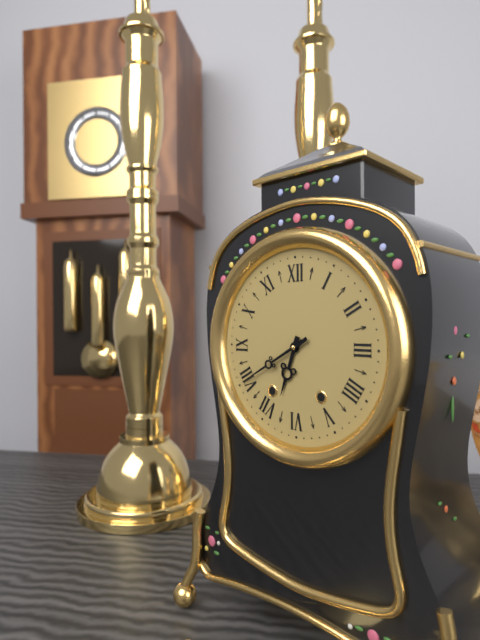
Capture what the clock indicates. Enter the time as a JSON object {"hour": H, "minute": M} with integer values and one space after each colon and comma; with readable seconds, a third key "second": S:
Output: {"hour": 6, "minute": 40}
